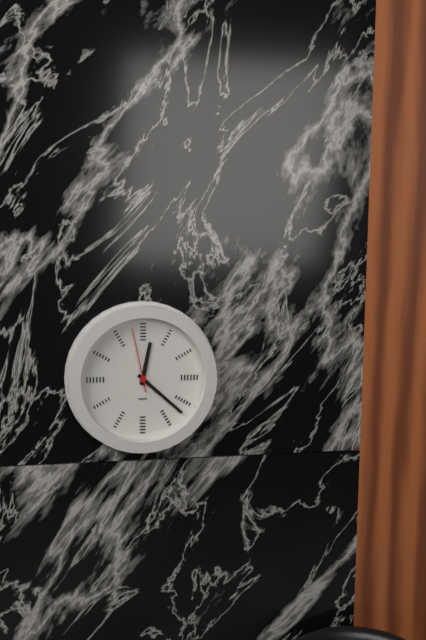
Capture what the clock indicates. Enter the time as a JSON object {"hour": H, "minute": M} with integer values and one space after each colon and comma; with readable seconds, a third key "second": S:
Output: {"hour": 12, "minute": 22, "second": 58}
